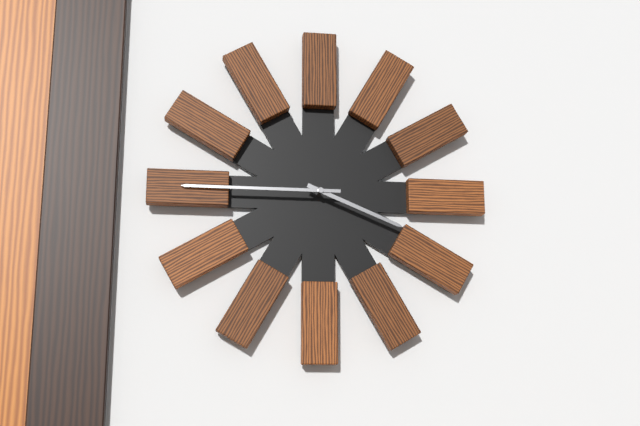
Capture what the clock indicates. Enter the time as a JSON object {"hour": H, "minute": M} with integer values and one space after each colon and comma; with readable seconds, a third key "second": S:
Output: {"hour": 3, "minute": 45}
